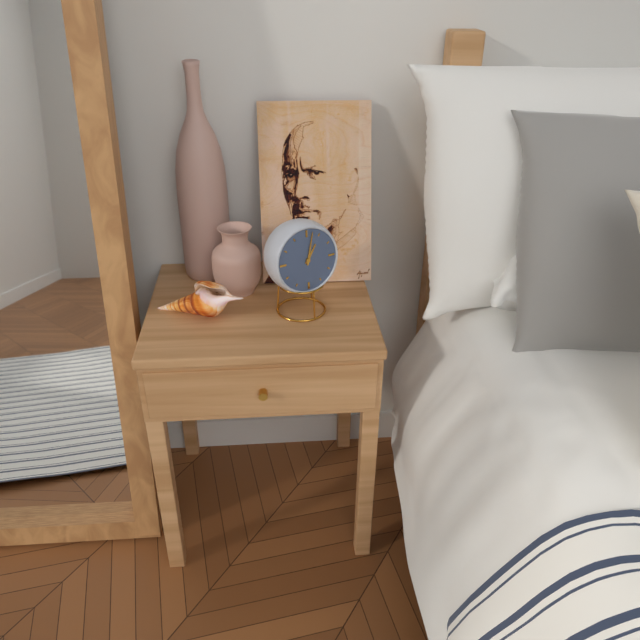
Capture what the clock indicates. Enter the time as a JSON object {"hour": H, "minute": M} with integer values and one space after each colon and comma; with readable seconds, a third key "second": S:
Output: {"hour": 1, "minute": 2}
